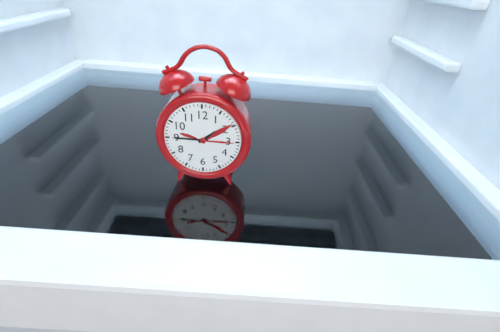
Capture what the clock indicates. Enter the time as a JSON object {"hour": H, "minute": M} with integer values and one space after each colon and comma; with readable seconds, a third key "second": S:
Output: {"hour": 1, "minute": 45}
